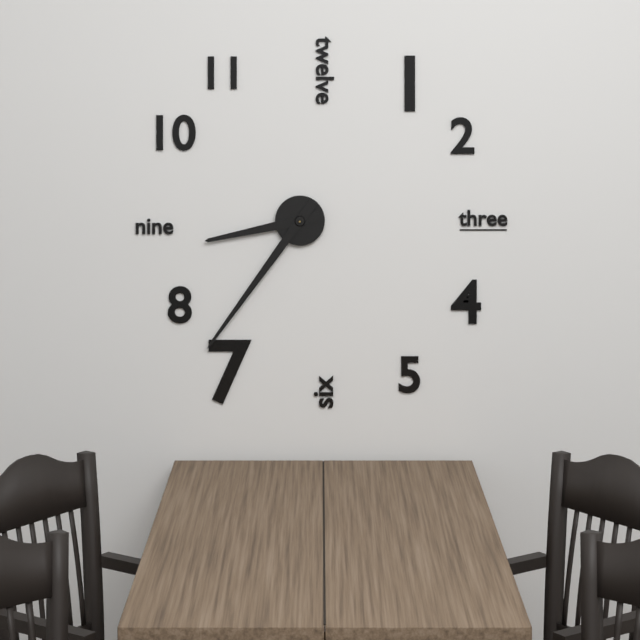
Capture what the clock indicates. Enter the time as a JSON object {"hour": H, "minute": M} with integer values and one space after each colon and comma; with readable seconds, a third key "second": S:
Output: {"hour": 8, "minute": 36}
